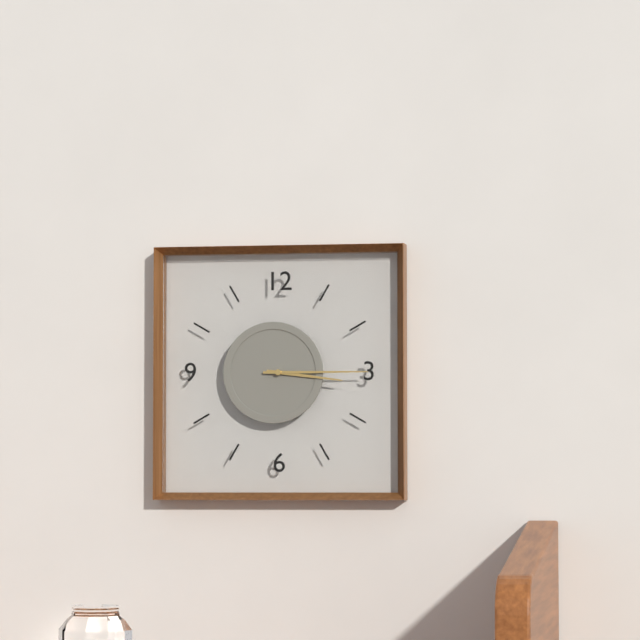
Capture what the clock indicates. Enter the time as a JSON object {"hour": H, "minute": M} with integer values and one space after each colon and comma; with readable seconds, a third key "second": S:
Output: {"hour": 3, "minute": 15}
